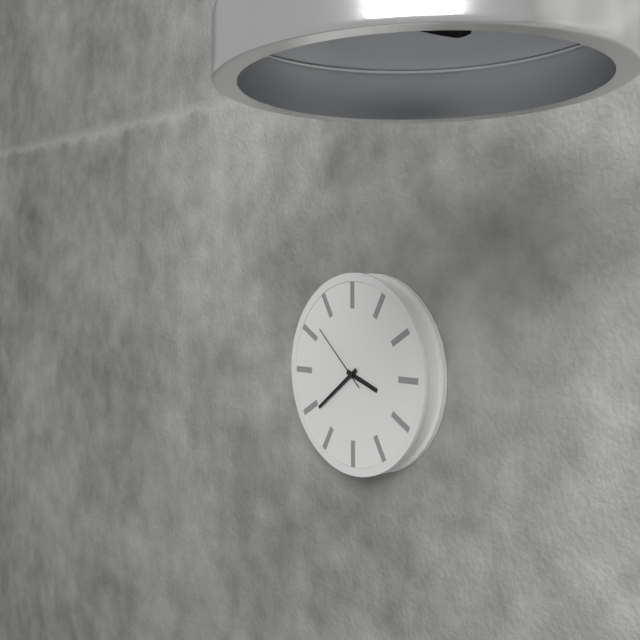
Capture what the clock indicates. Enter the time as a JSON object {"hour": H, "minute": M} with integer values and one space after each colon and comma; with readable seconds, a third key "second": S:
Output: {"hour": 3, "minute": 39, "second": 52}
